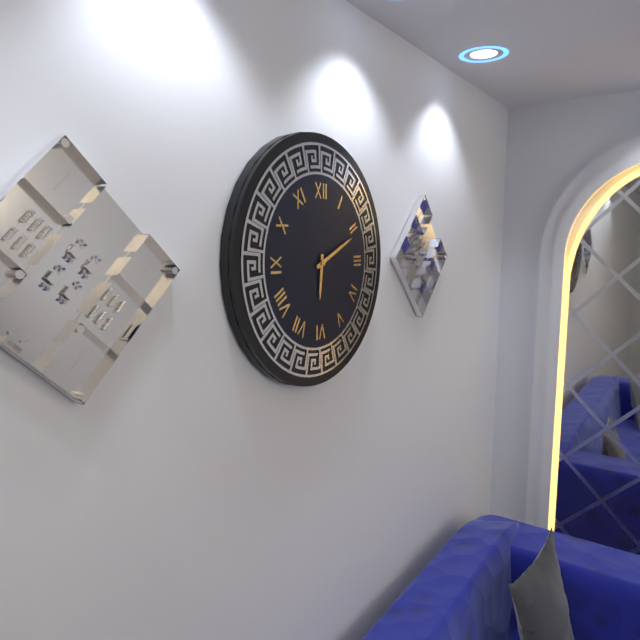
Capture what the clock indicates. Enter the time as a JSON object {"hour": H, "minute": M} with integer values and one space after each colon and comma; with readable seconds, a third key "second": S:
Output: {"hour": 6, "minute": 11}
